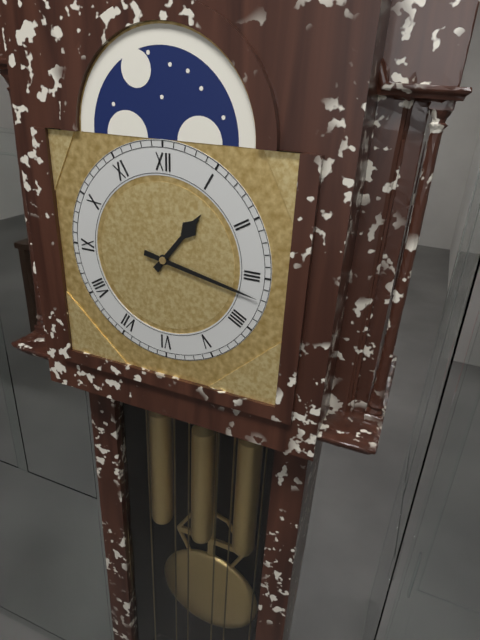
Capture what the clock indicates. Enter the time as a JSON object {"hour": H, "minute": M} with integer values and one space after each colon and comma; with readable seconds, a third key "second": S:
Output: {"hour": 1, "minute": 17}
